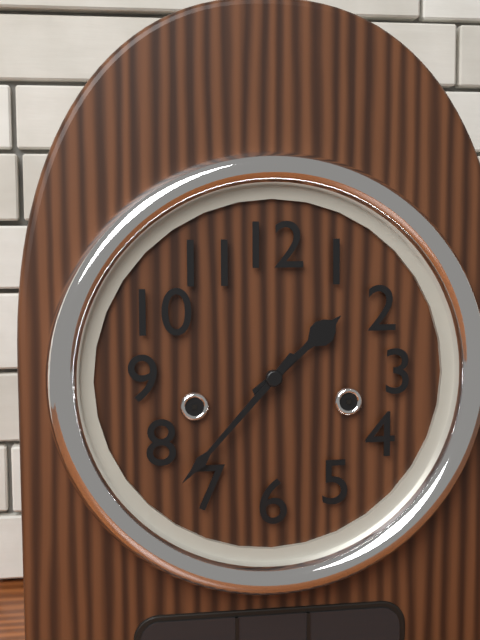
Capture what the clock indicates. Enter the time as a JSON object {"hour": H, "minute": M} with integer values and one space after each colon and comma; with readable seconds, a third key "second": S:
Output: {"hour": 1, "minute": 37}
